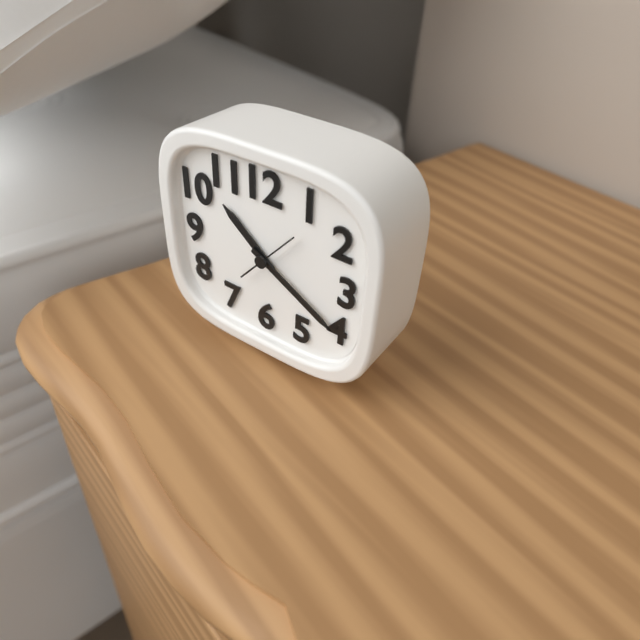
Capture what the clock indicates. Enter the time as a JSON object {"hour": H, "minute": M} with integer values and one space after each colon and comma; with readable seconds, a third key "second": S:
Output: {"hour": 10, "minute": 20}
